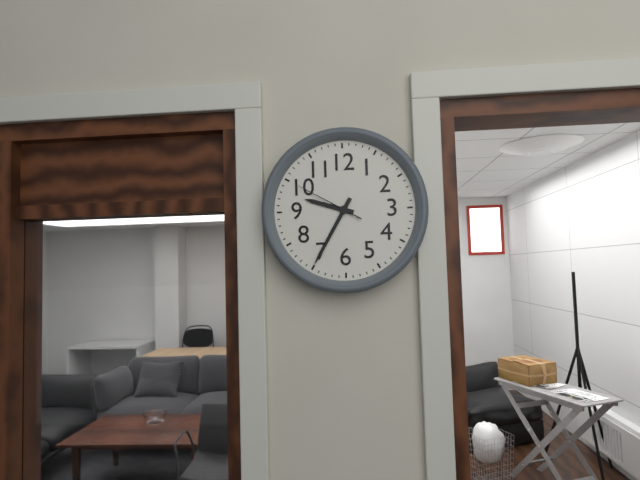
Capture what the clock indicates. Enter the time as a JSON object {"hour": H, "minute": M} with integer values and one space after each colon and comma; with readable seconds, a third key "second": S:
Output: {"hour": 9, "minute": 35, "second": 50}
